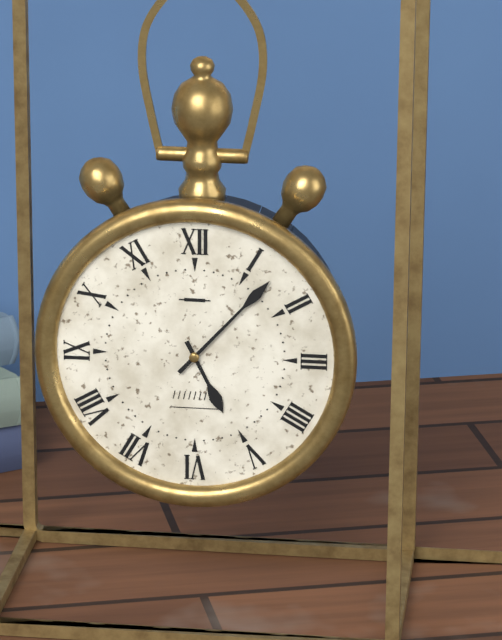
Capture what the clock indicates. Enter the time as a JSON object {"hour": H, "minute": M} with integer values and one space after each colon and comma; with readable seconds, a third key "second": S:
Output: {"hour": 5, "minute": 7}
